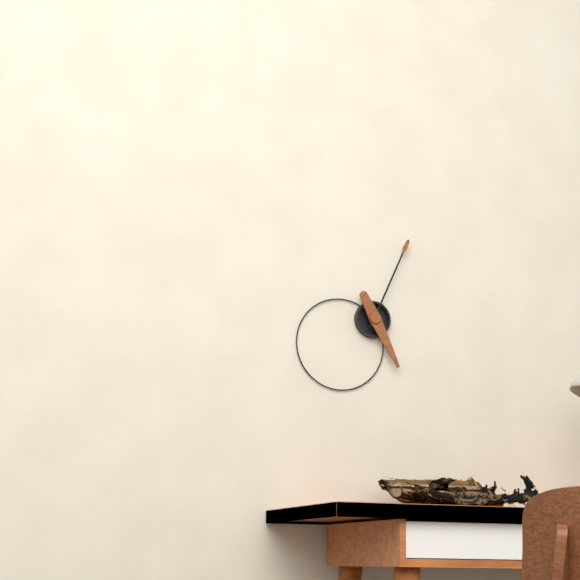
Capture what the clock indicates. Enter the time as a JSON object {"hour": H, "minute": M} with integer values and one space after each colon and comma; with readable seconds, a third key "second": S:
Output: {"hour": 5, "minute": 4}
